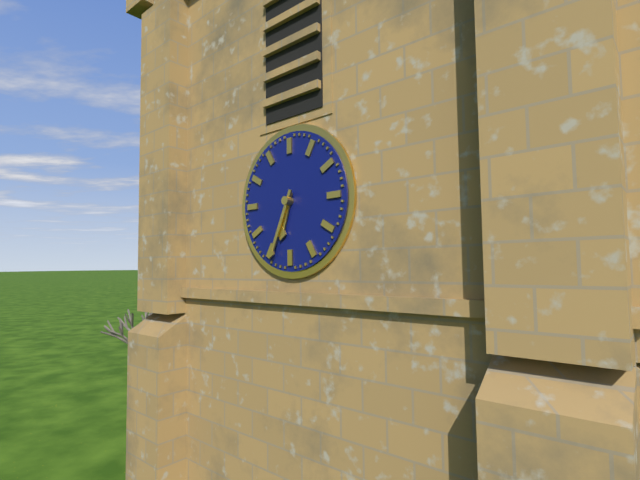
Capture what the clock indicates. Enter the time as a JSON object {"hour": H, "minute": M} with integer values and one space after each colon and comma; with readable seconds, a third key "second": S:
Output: {"hour": 6, "minute": 34}
